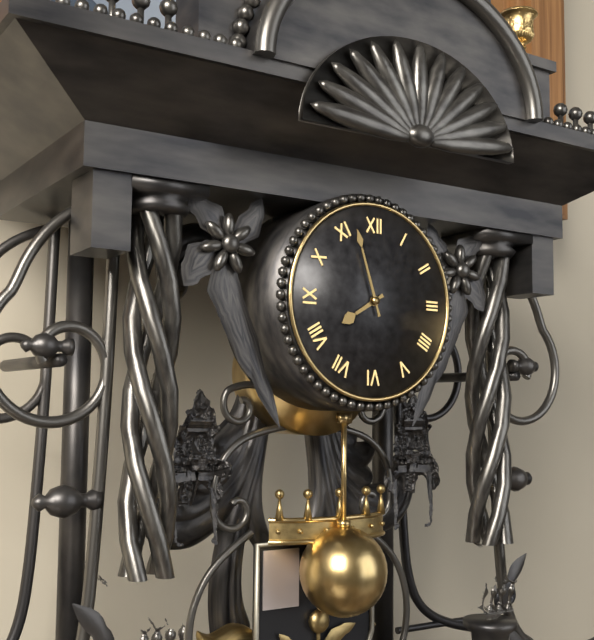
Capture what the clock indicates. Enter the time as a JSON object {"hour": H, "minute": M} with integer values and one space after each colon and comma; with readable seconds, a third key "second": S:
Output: {"hour": 7, "minute": 57}
